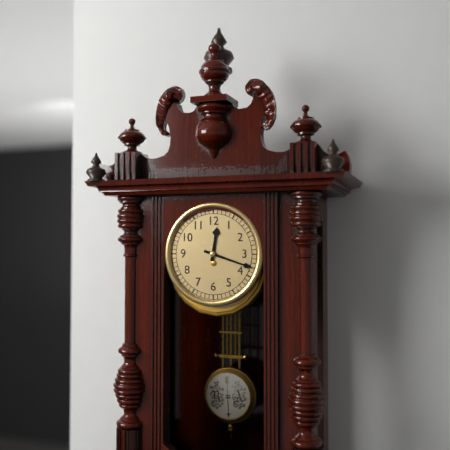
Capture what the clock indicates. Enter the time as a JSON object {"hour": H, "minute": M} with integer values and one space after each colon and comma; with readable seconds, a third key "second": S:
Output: {"hour": 12, "minute": 18}
